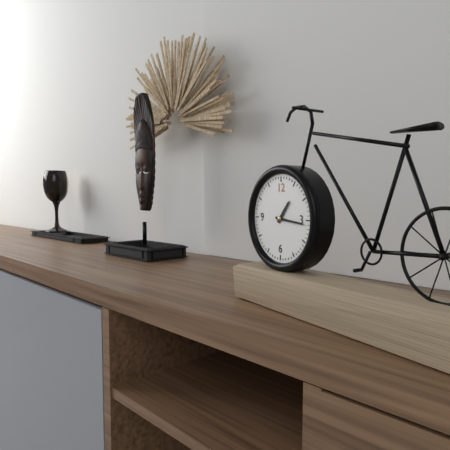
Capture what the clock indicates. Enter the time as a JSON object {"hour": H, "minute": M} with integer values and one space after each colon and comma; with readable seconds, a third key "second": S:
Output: {"hour": 1, "minute": 16}
